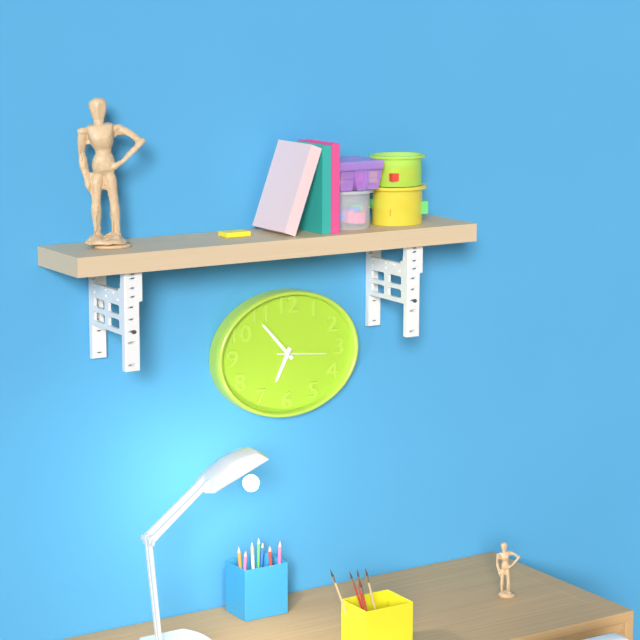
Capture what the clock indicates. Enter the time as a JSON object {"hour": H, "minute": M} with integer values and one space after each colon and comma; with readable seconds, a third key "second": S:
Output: {"hour": 6, "minute": 53}
